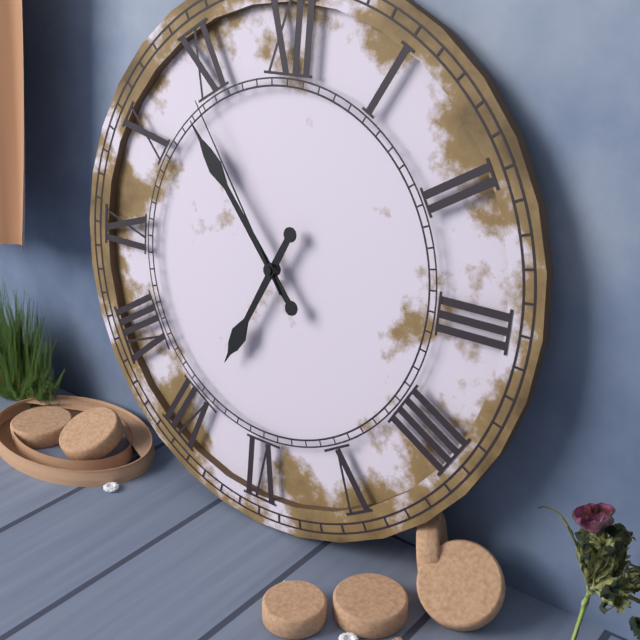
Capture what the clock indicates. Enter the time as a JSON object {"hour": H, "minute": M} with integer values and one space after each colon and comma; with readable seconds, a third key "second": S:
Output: {"hour": 6, "minute": 53, "second": 54}
